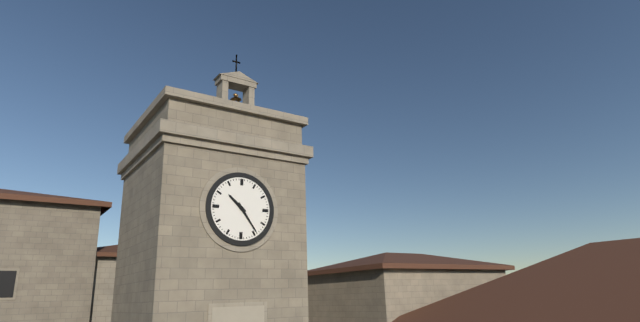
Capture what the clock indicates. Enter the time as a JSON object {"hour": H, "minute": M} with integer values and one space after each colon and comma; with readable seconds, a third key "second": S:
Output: {"hour": 10, "minute": 24}
